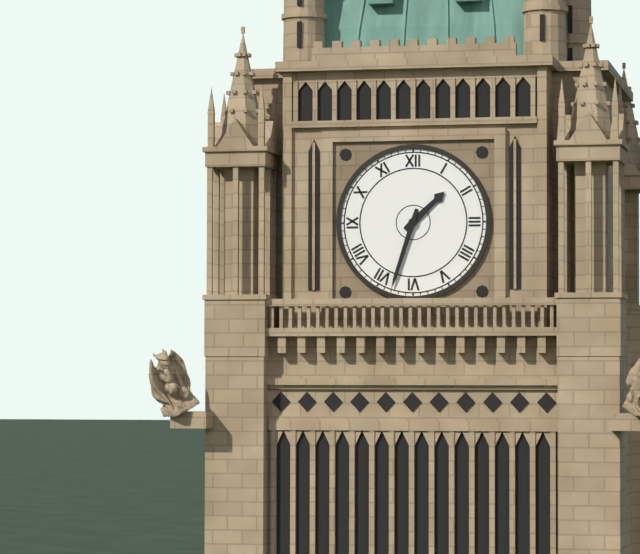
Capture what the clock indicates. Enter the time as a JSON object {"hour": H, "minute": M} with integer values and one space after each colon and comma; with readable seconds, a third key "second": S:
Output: {"hour": 1, "minute": 33}
